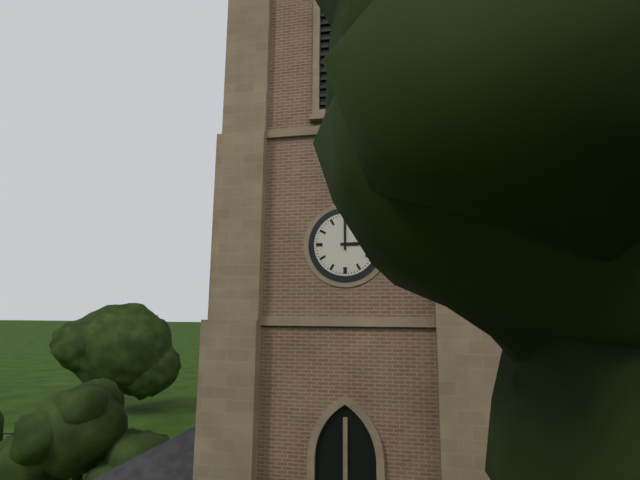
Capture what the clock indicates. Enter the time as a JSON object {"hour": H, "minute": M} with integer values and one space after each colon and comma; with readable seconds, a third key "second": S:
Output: {"hour": 3, "minute": 0}
